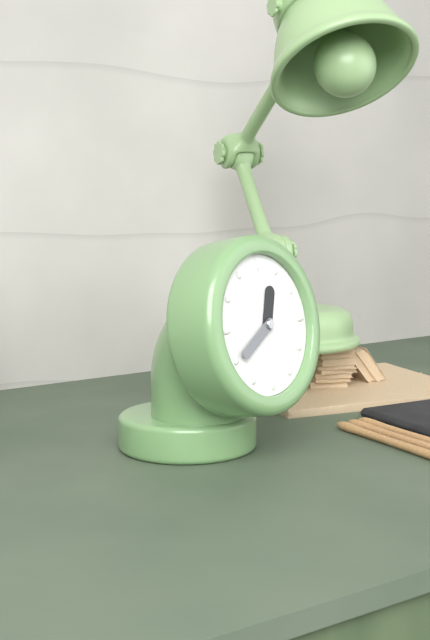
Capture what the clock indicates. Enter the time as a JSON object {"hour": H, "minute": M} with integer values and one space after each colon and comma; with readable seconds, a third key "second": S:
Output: {"hour": 12, "minute": 40}
